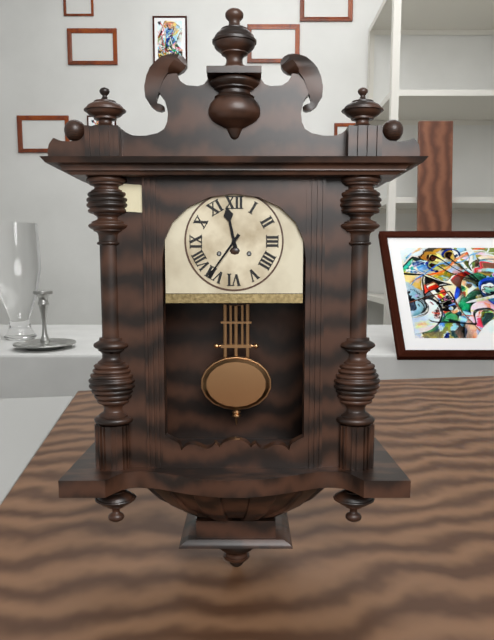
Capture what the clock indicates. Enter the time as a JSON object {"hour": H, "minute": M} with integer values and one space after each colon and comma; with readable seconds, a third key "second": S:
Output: {"hour": 11, "minute": 36}
